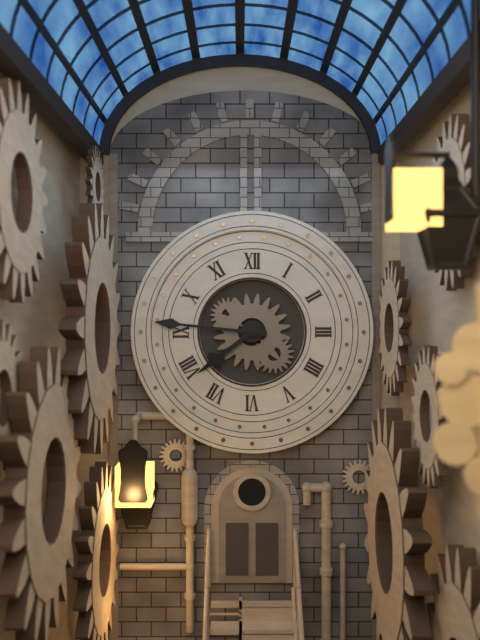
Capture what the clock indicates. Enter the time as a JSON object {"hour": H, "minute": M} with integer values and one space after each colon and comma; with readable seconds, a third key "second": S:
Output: {"hour": 7, "minute": 46}
